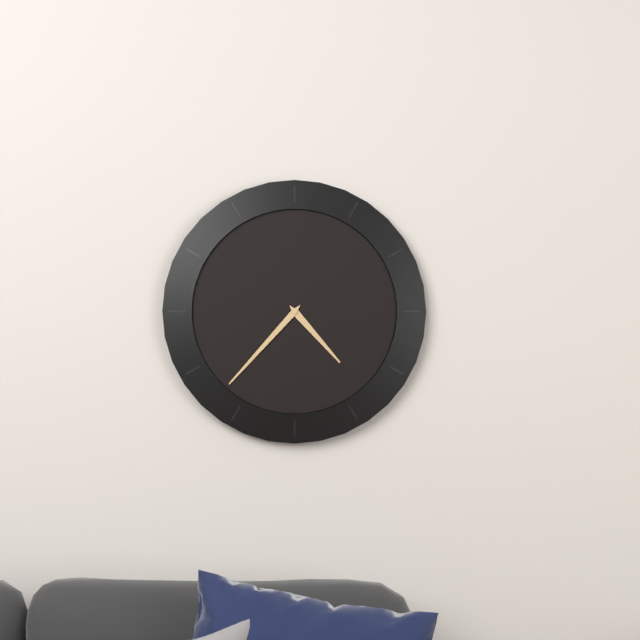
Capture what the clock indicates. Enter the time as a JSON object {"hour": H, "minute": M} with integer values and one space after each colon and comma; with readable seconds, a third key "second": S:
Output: {"hour": 4, "minute": 37}
